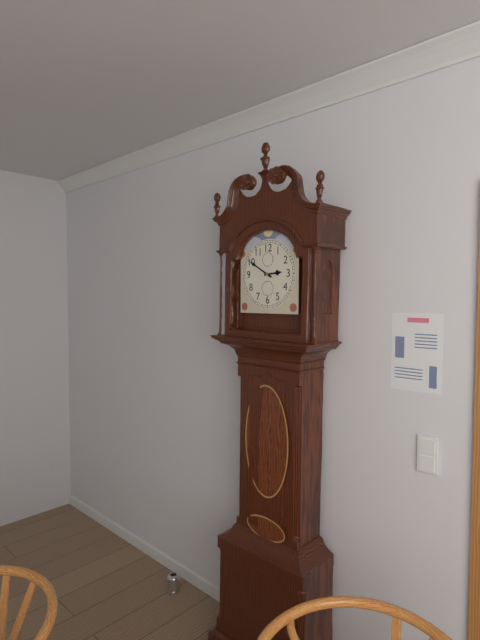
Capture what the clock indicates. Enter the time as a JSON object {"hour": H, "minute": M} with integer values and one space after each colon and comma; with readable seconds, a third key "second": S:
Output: {"hour": 2, "minute": 50}
